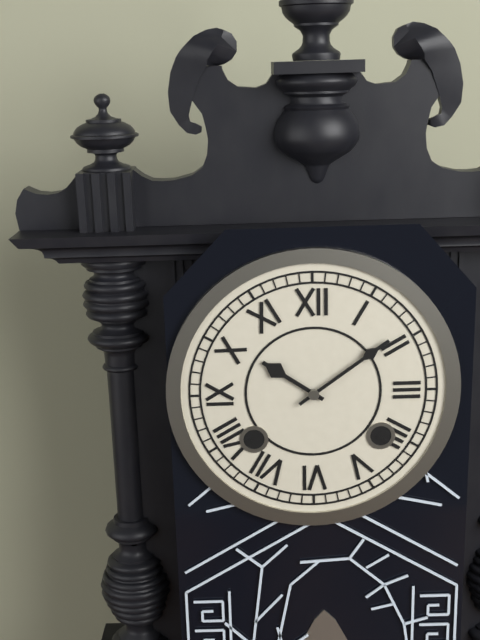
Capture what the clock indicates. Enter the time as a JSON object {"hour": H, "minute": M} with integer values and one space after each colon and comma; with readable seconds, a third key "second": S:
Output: {"hour": 10, "minute": 9}
